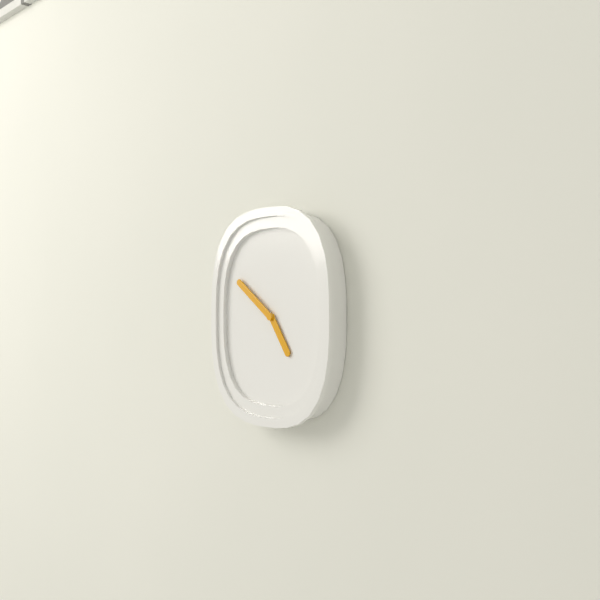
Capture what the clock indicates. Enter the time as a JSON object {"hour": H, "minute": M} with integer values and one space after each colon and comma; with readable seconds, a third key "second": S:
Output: {"hour": 4, "minute": 51}
